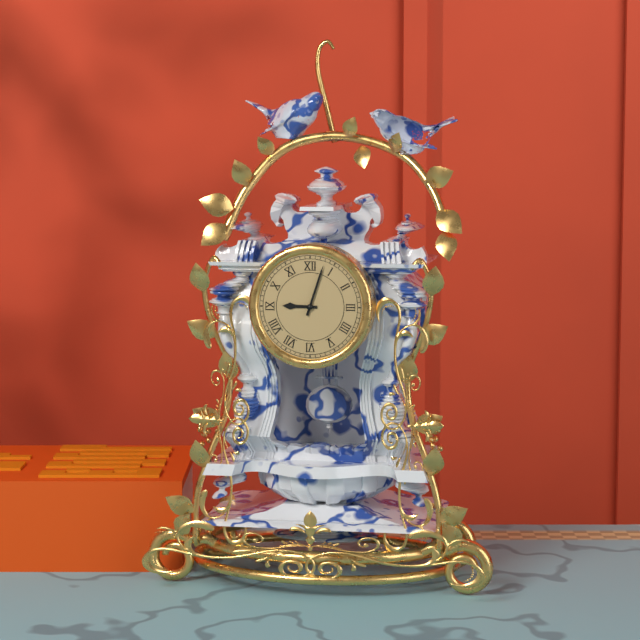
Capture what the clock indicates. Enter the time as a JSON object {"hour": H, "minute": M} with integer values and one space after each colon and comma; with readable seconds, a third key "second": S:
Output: {"hour": 9, "minute": 3}
